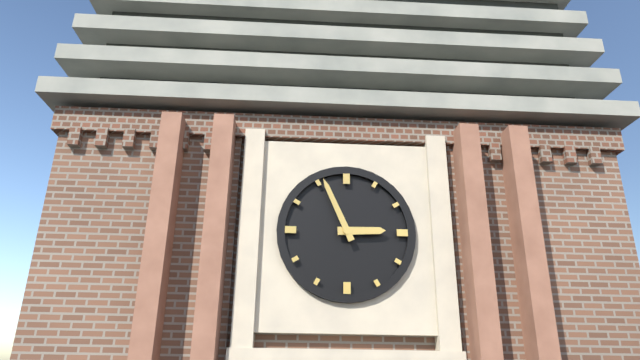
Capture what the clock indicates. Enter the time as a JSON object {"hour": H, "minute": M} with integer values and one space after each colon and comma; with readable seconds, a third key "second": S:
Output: {"hour": 2, "minute": 56}
